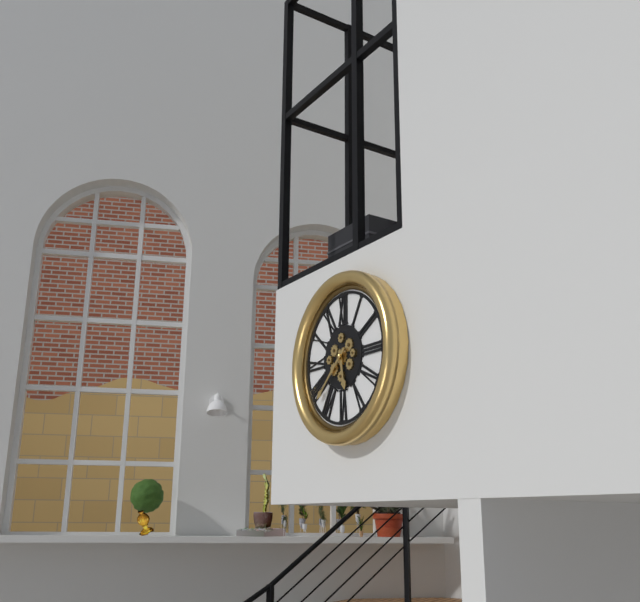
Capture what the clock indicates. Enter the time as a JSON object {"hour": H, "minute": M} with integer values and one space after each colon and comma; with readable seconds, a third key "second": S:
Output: {"hour": 5, "minute": 38}
